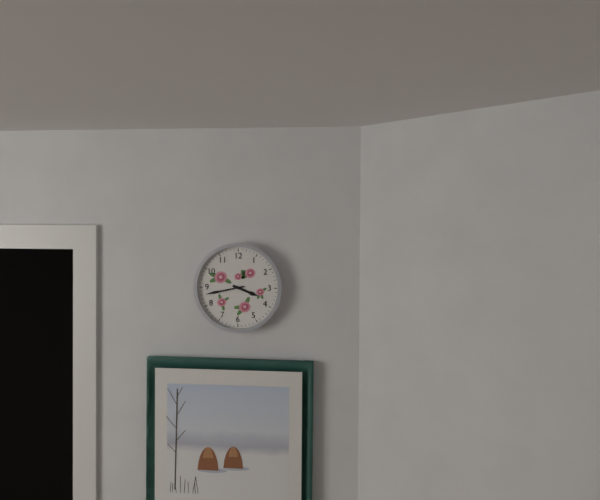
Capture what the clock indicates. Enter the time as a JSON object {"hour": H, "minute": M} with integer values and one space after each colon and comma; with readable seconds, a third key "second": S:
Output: {"hour": 3, "minute": 43}
